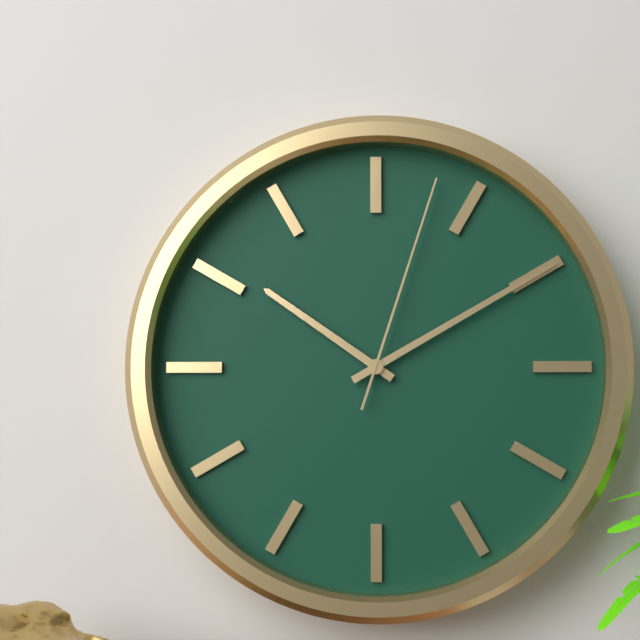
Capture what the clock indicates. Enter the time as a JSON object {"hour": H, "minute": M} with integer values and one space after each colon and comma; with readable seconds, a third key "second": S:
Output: {"hour": 10, "minute": 10, "second": 3}
